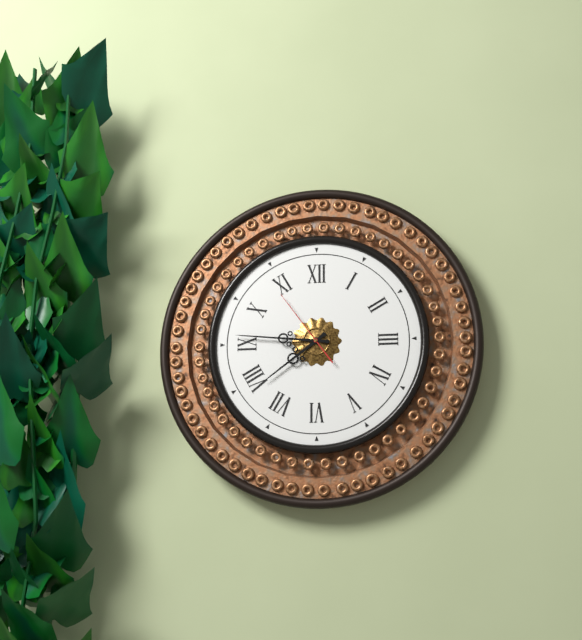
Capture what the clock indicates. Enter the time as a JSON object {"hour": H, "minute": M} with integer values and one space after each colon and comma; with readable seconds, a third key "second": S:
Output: {"hour": 7, "minute": 46, "second": 54}
